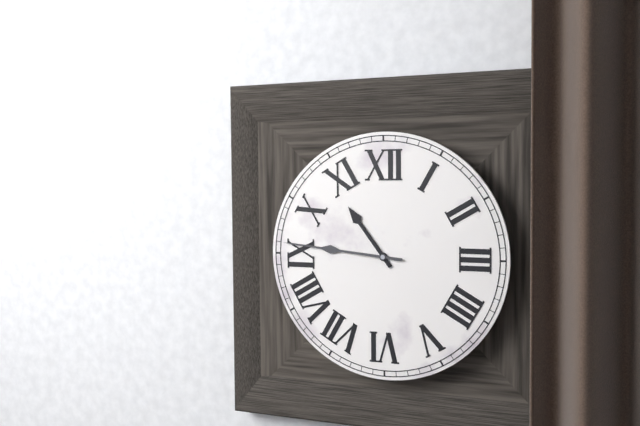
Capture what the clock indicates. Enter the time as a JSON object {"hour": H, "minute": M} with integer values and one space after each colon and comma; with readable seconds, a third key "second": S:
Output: {"hour": 10, "minute": 46}
